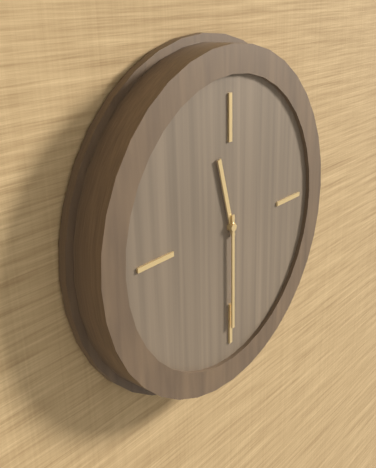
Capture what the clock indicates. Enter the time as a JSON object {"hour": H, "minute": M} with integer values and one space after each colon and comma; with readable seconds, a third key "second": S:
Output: {"hour": 11, "minute": 30}
